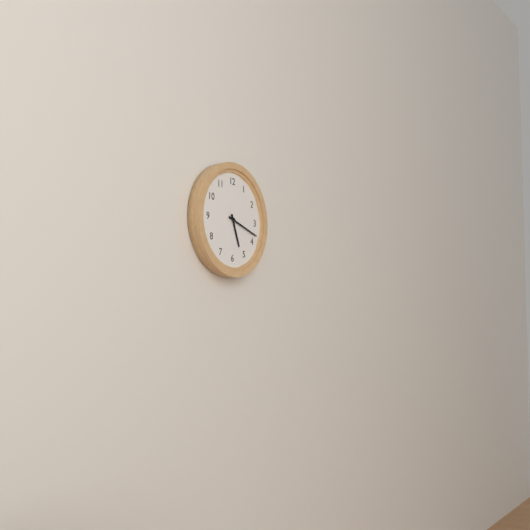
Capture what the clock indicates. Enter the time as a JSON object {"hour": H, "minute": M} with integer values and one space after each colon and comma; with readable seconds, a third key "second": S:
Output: {"hour": 5, "minute": 18}
